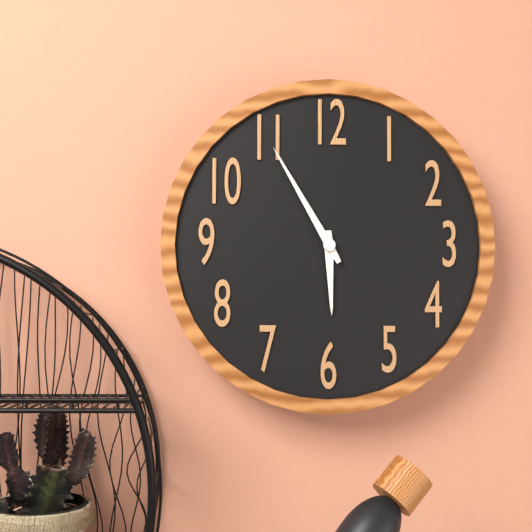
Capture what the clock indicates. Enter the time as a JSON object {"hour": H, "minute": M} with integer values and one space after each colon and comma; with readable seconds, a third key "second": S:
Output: {"hour": 5, "minute": 55}
